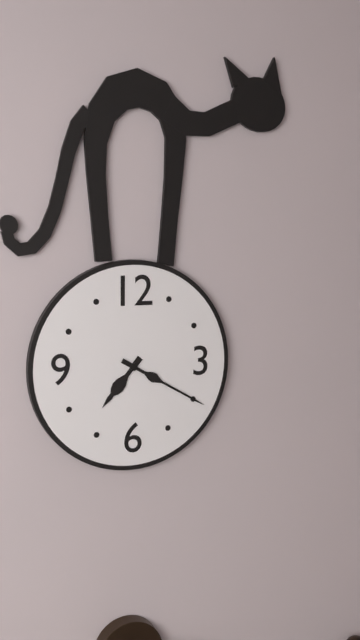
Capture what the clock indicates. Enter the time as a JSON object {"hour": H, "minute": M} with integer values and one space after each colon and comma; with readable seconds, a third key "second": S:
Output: {"hour": 7, "minute": 20}
